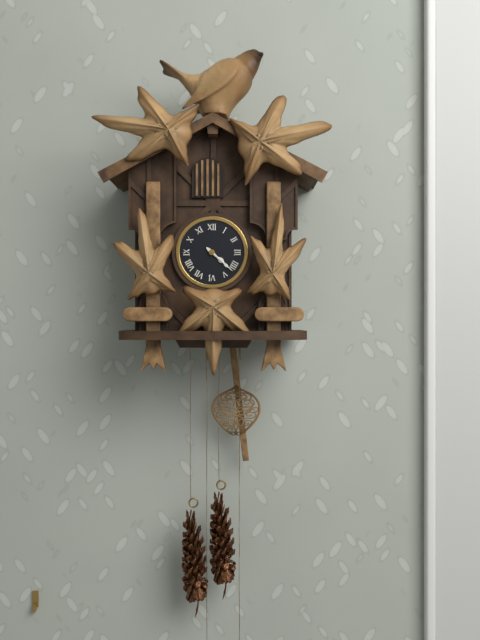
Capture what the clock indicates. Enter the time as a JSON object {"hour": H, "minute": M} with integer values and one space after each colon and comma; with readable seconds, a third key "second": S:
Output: {"hour": 4, "minute": 22}
